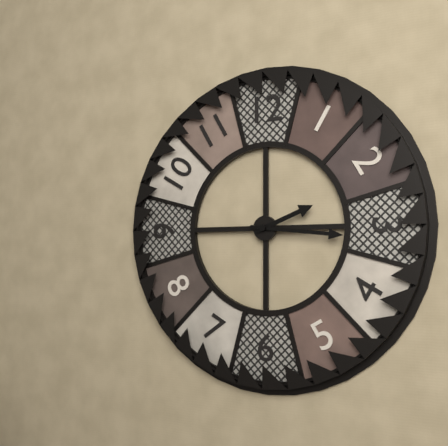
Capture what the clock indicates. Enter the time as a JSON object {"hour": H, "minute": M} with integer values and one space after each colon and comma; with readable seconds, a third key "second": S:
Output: {"hour": 2, "minute": 16}
